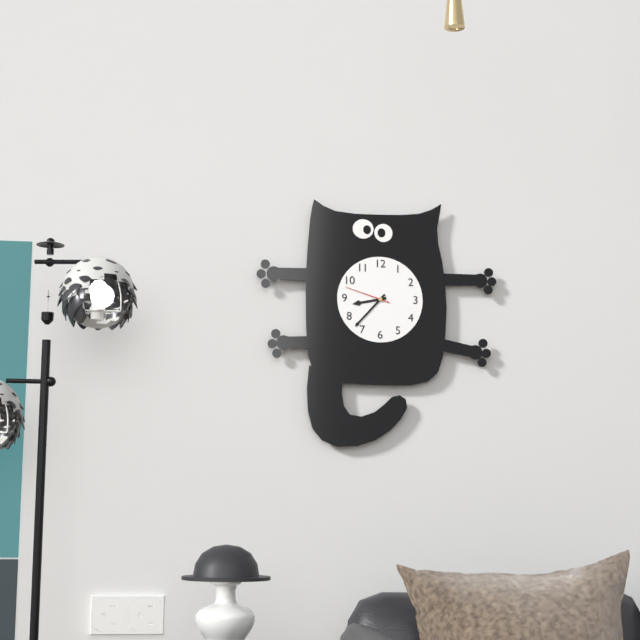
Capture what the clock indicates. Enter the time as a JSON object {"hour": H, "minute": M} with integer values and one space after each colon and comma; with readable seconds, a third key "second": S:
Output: {"hour": 8, "minute": 37}
